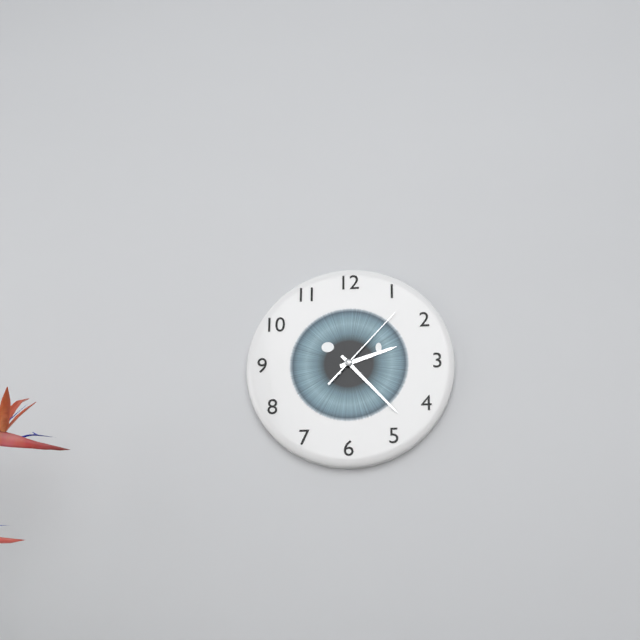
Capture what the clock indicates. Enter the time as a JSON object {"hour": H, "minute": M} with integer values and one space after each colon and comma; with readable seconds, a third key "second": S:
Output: {"hour": 2, "minute": 23, "second": 7}
